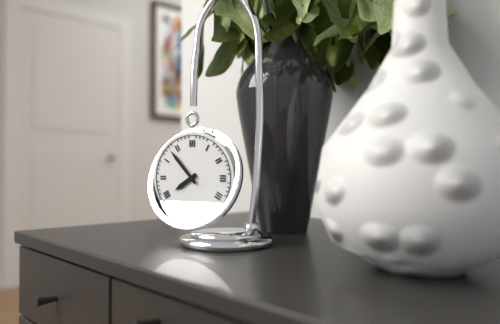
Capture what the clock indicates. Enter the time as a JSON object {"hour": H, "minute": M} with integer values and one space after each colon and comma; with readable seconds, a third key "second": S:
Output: {"hour": 7, "minute": 53}
